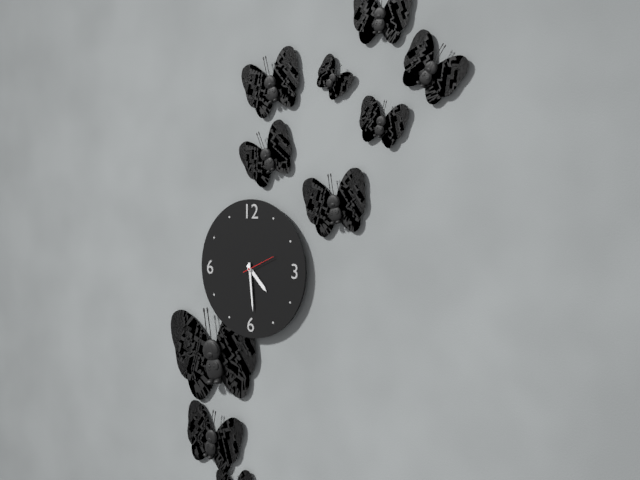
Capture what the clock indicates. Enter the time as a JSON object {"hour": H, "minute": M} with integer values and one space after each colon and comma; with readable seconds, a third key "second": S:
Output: {"hour": 4, "minute": 29}
